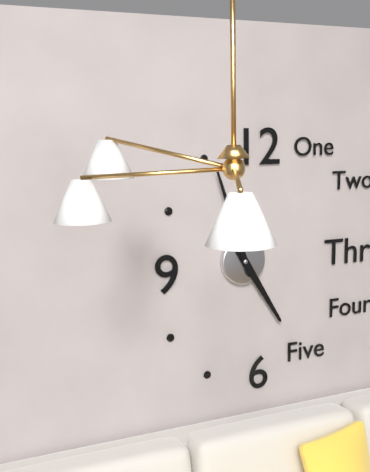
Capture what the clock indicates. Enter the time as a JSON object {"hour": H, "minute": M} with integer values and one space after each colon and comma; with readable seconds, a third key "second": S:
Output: {"hour": 4, "minute": 57}
